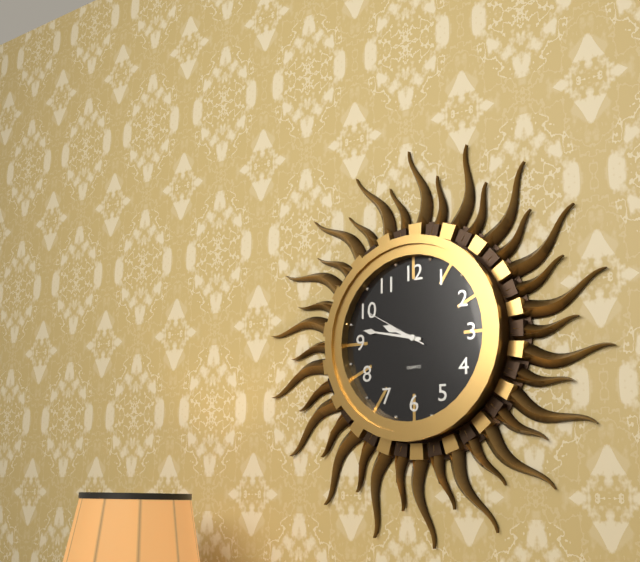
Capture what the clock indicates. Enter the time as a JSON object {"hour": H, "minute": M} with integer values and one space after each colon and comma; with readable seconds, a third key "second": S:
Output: {"hour": 9, "minute": 47, "second": 50}
